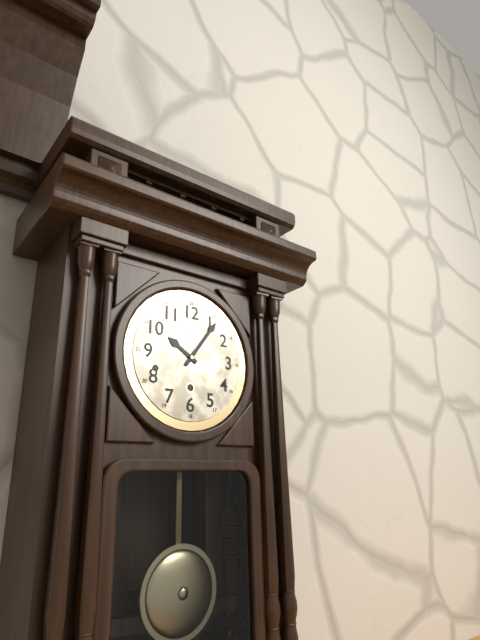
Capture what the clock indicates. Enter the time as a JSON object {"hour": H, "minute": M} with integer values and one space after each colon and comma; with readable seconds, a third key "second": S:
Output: {"hour": 10, "minute": 6}
